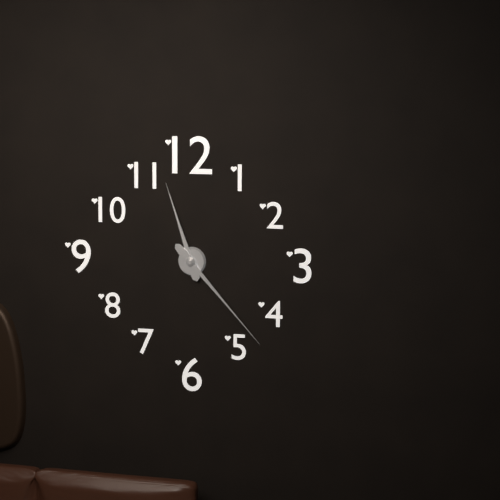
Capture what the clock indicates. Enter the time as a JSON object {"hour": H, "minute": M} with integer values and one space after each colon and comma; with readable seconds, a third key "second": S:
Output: {"hour": 11, "minute": 23}
